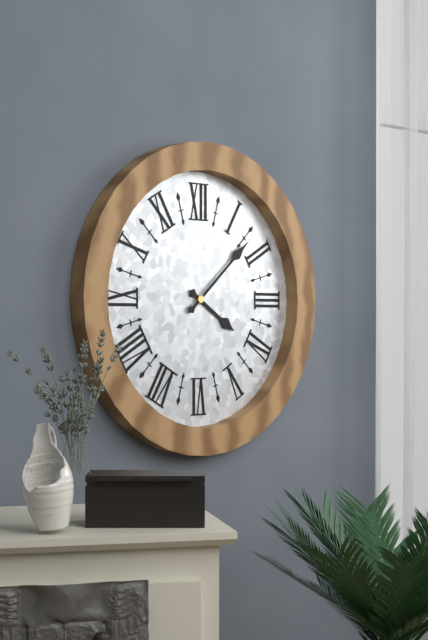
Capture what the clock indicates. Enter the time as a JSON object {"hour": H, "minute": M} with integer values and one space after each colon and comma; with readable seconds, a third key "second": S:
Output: {"hour": 4, "minute": 8}
